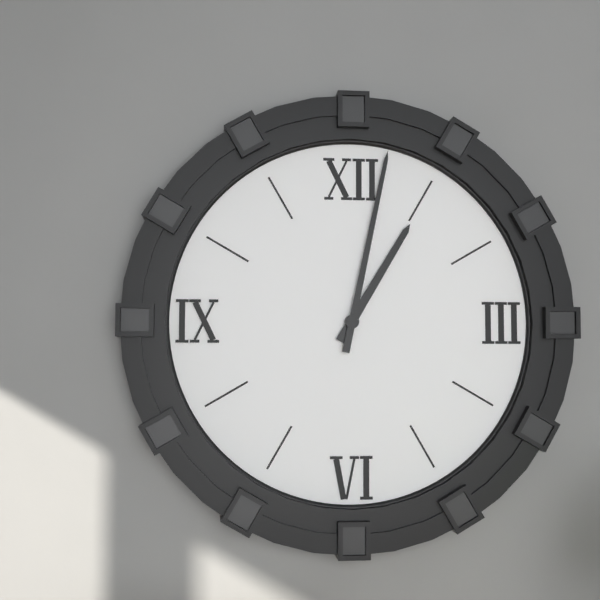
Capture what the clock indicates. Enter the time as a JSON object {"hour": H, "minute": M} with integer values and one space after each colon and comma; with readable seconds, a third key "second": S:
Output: {"hour": 1, "minute": 2}
